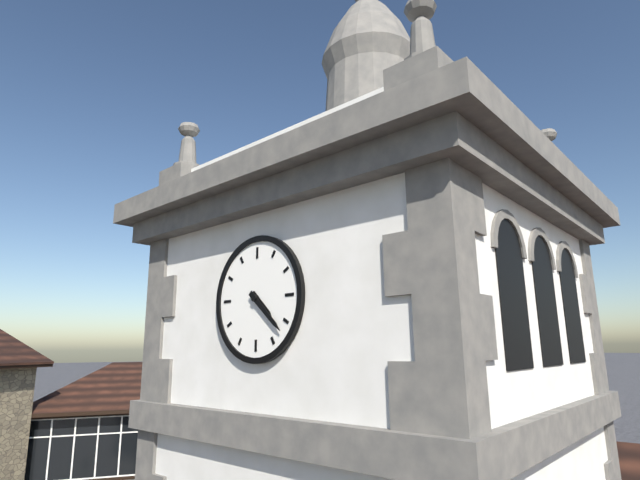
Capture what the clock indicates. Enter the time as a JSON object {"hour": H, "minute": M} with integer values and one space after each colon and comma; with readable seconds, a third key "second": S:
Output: {"hour": 4, "minute": 22}
